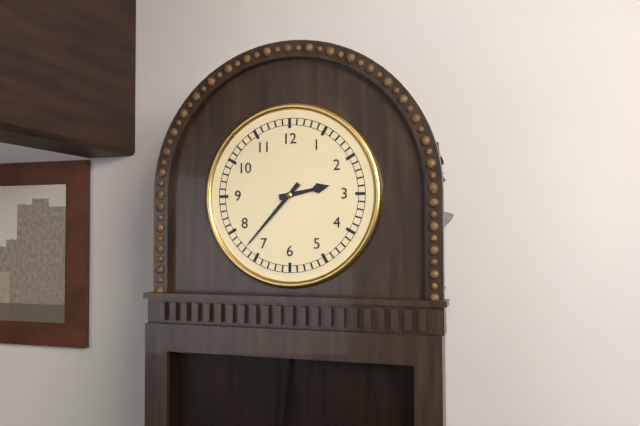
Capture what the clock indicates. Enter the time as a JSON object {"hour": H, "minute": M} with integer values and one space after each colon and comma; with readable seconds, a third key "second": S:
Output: {"hour": 2, "minute": 37}
